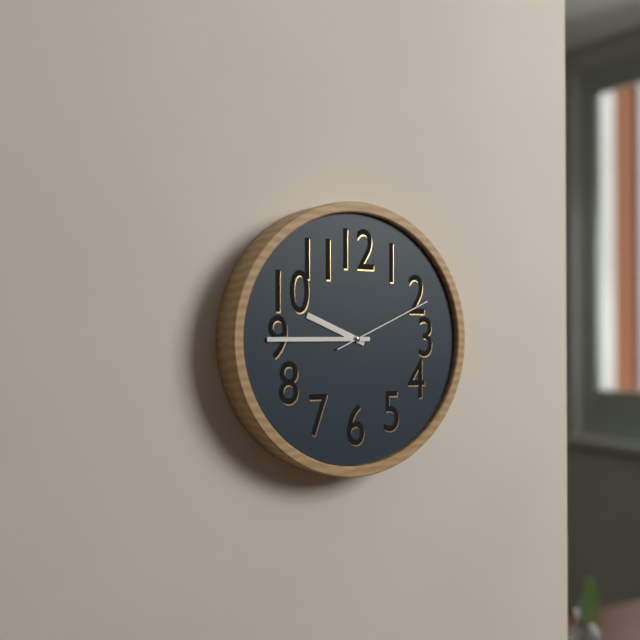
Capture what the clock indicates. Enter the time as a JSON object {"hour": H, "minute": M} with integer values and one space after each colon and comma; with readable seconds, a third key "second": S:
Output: {"hour": 9, "minute": 45, "second": 11}
